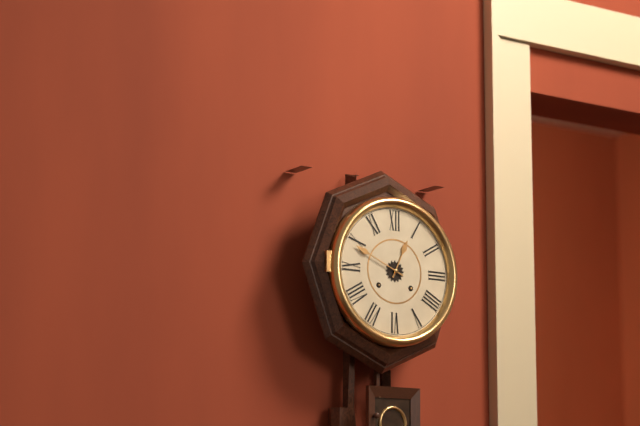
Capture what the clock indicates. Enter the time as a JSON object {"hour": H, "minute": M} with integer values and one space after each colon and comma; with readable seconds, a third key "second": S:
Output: {"hour": 12, "minute": 49}
